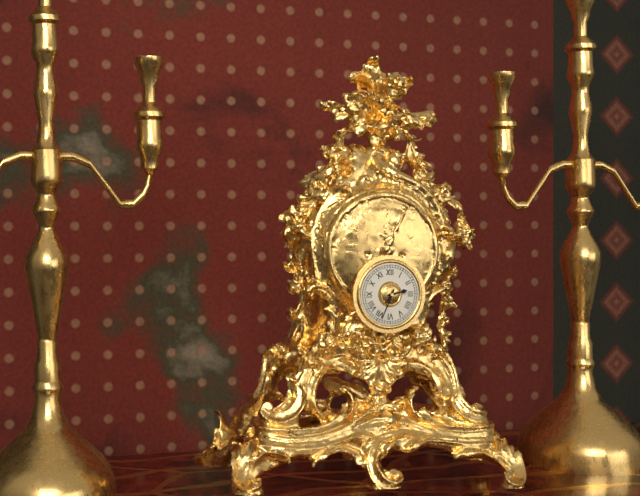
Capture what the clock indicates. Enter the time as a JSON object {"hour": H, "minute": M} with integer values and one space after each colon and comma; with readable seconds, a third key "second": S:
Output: {"hour": 2, "minute": 34}
